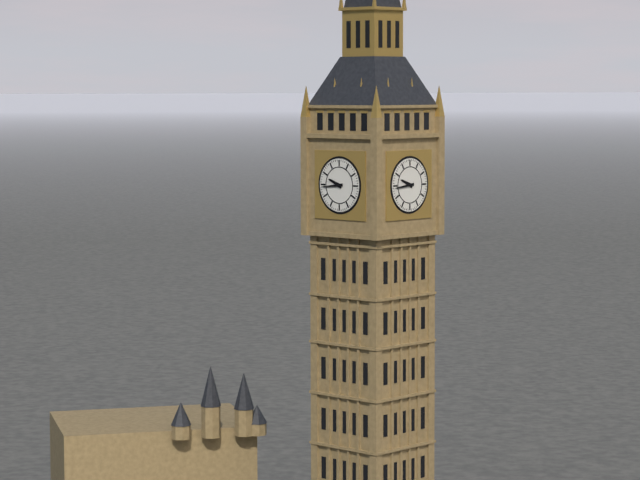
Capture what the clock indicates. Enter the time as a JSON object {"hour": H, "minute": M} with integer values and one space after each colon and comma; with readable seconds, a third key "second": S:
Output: {"hour": 9, "minute": 44}
